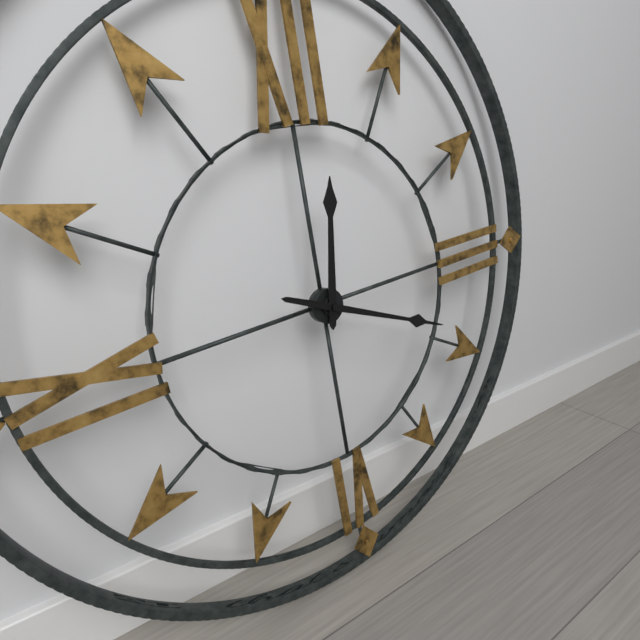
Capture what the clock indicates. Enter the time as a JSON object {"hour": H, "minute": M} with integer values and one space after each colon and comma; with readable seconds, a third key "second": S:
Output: {"hour": 12, "minute": 19}
